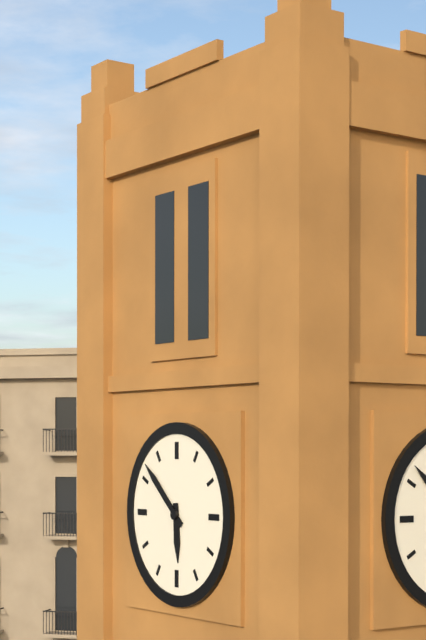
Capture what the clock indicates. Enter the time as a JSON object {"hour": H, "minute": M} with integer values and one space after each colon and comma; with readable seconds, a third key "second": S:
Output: {"hour": 5, "minute": 52}
